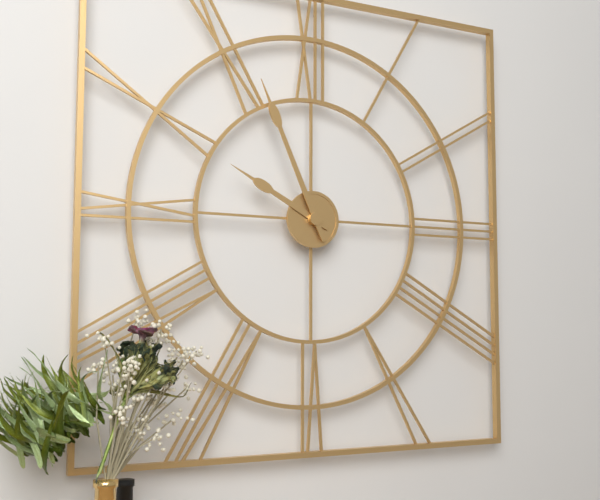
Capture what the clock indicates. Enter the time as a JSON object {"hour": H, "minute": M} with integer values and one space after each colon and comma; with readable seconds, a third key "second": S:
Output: {"hour": 9, "minute": 56}
